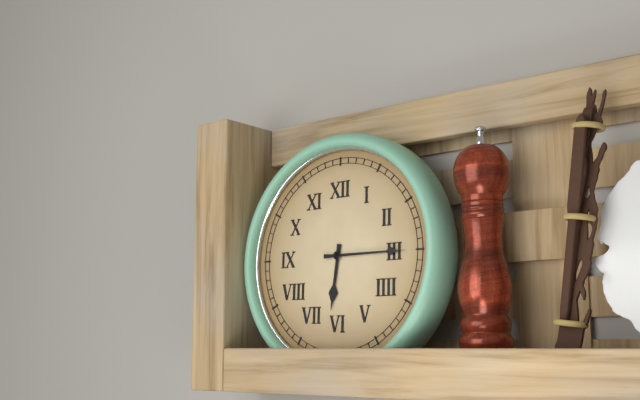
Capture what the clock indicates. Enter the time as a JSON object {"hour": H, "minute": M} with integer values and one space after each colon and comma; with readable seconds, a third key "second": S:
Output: {"hour": 6, "minute": 15}
